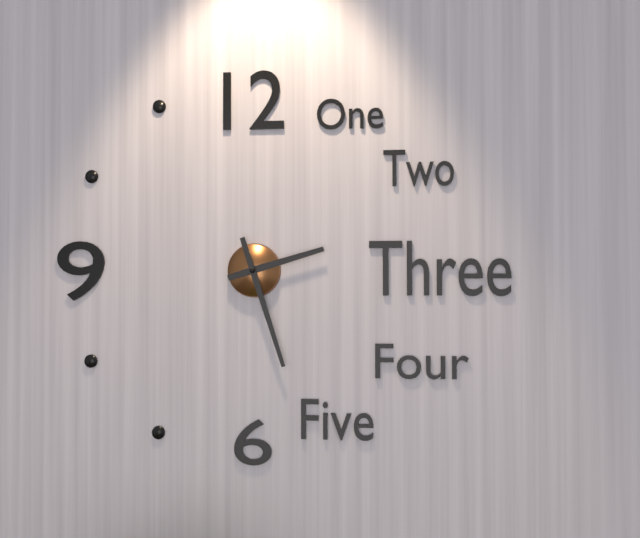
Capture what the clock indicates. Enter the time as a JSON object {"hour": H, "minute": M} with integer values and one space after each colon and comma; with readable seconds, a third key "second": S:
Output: {"hour": 2, "minute": 27}
